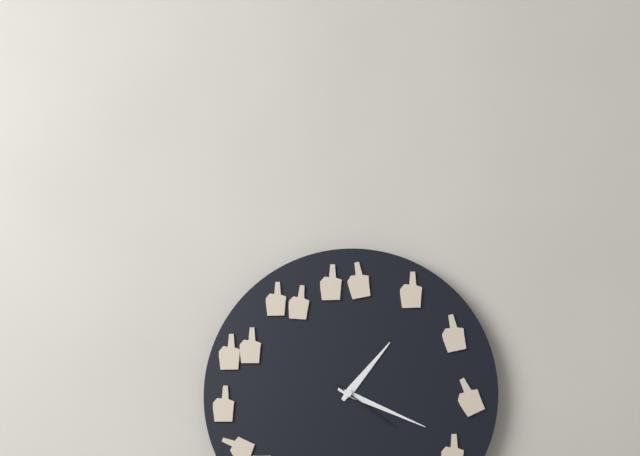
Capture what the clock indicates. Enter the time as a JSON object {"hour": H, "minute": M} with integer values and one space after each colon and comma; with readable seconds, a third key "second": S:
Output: {"hour": 1, "minute": 19, "second": 21}
